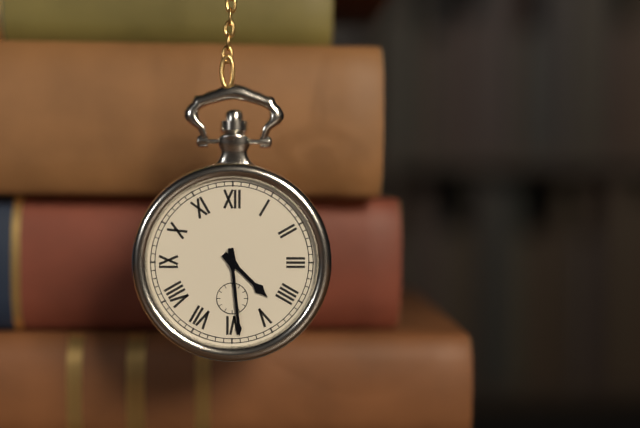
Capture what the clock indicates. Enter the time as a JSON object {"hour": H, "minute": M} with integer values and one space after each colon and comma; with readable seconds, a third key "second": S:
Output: {"hour": 4, "minute": 29}
